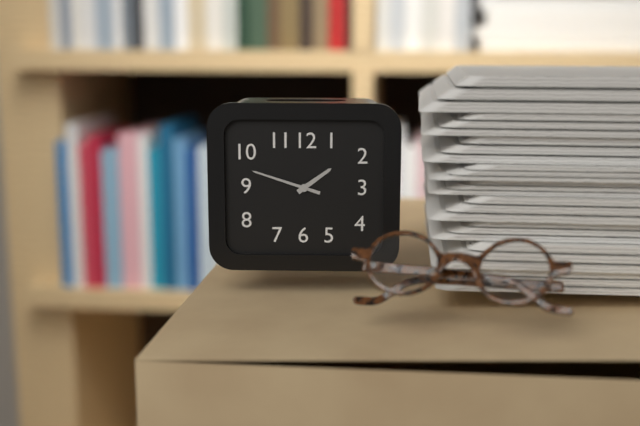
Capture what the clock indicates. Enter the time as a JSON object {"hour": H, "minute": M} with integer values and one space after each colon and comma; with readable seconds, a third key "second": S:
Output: {"hour": 1, "minute": 48}
